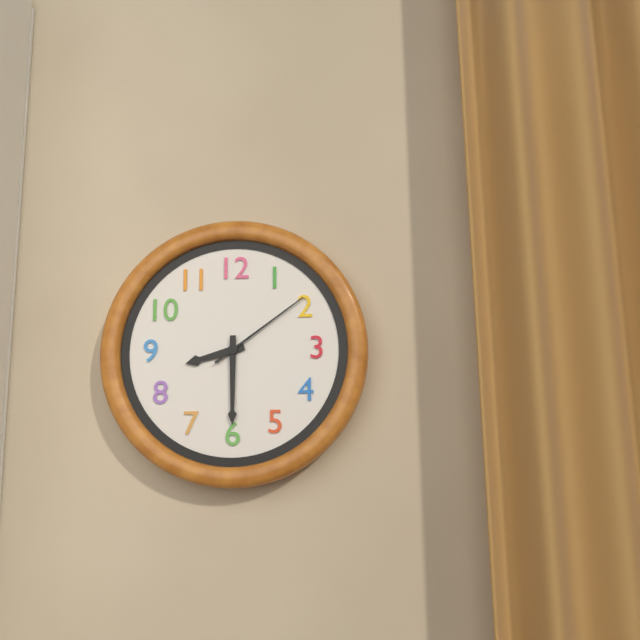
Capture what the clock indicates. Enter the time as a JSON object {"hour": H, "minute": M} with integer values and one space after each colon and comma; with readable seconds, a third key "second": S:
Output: {"hour": 8, "minute": 30, "second": 9}
